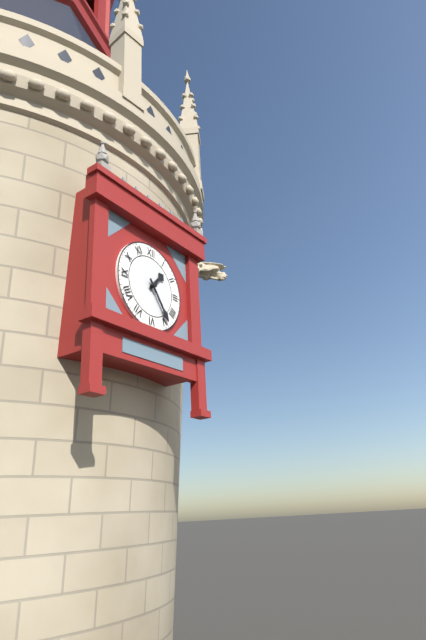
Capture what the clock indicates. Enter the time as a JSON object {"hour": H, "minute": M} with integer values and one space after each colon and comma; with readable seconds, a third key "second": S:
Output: {"hour": 1, "minute": 24}
